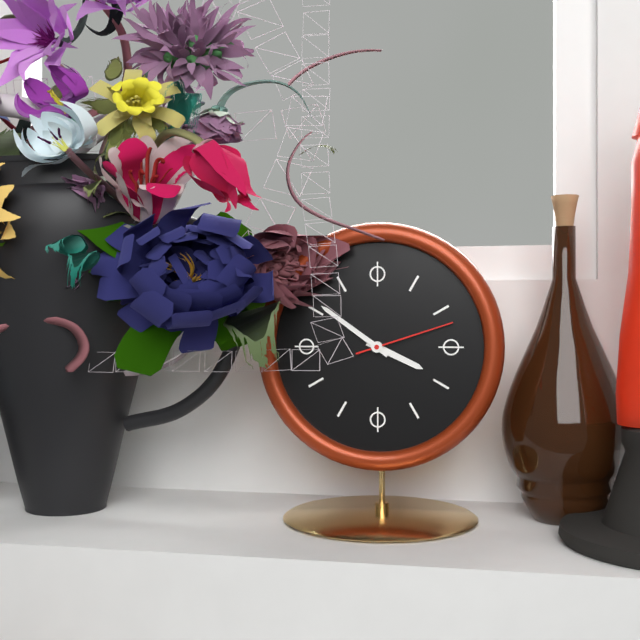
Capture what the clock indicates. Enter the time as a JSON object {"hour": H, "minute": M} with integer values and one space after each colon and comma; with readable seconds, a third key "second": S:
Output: {"hour": 3, "minute": 51, "second": 12}
